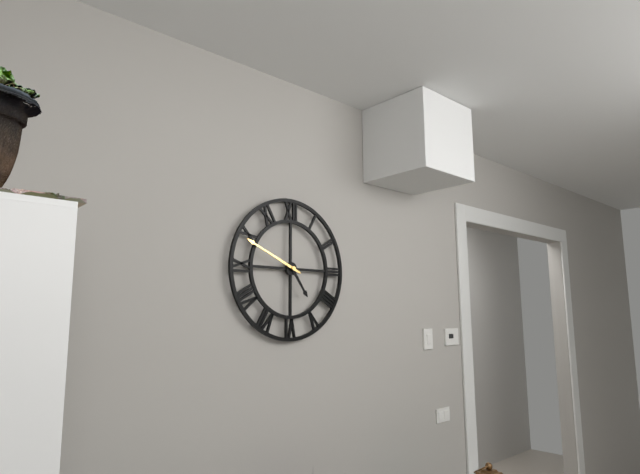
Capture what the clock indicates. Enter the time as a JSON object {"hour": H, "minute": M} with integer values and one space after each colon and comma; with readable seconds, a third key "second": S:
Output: {"hour": 4, "minute": 49}
